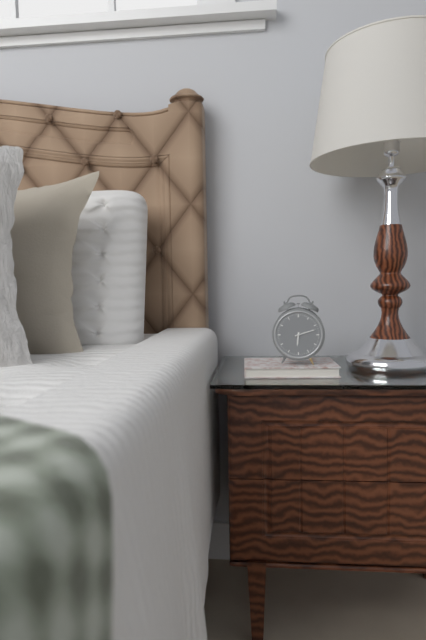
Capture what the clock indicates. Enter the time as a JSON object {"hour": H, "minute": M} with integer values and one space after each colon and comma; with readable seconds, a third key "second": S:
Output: {"hour": 6, "minute": 12}
